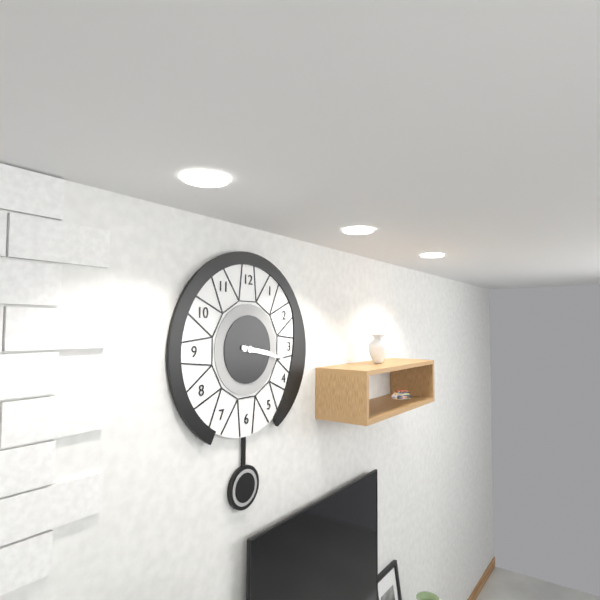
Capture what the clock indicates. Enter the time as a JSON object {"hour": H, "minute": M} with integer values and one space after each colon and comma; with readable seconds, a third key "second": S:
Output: {"hour": 3, "minute": 17}
